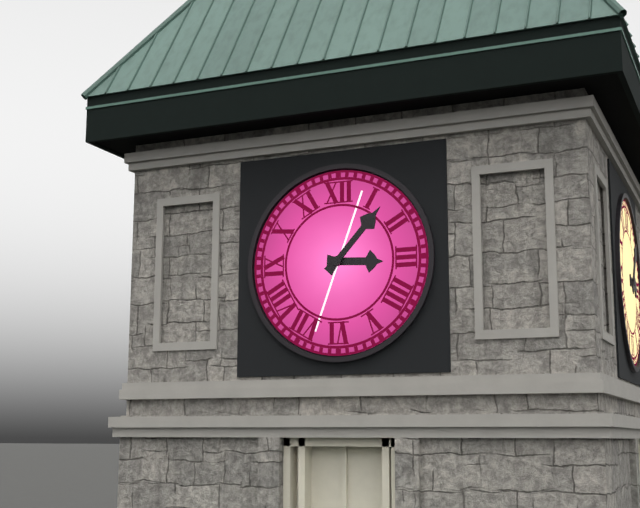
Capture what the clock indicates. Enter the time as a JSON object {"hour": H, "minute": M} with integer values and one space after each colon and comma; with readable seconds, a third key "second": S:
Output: {"hour": 3, "minute": 7}
